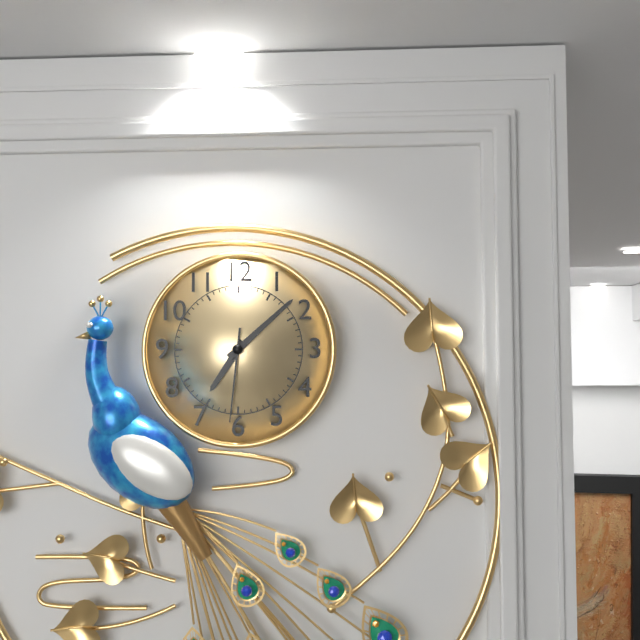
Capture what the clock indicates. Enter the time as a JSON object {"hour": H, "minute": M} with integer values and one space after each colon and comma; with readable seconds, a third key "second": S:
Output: {"hour": 7, "minute": 8, "second": 31}
